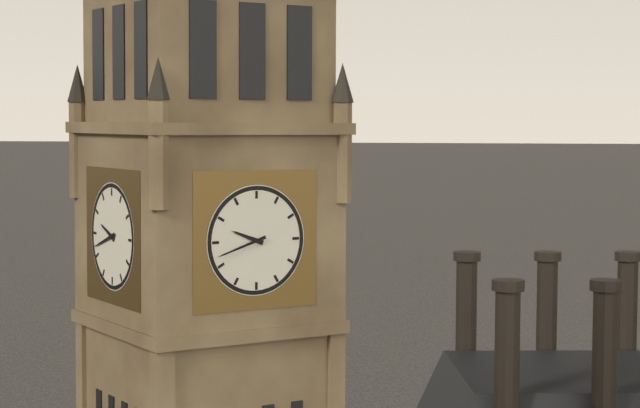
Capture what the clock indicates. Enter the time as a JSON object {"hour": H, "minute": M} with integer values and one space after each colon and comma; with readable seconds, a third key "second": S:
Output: {"hour": 9, "minute": 42}
